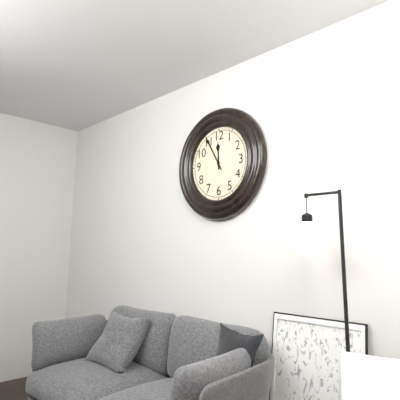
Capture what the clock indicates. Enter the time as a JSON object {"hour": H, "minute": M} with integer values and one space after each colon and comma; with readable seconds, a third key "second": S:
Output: {"hour": 11, "minute": 55}
